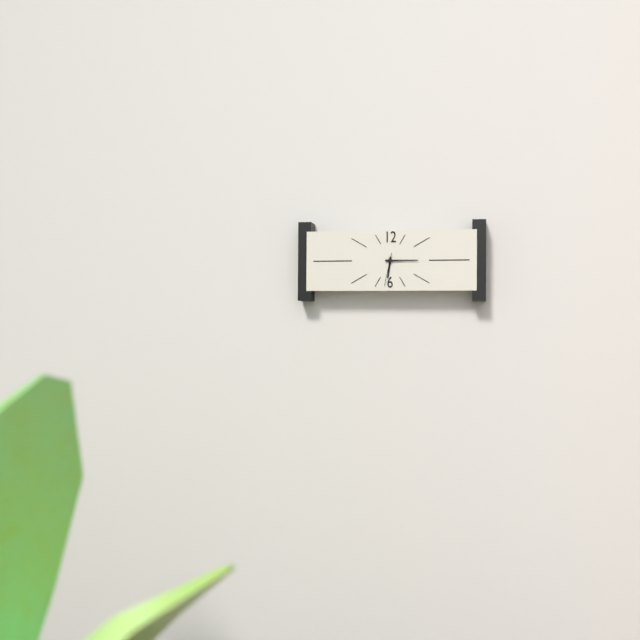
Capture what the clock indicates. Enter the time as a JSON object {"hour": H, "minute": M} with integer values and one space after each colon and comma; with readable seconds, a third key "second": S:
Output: {"hour": 6, "minute": 15}
